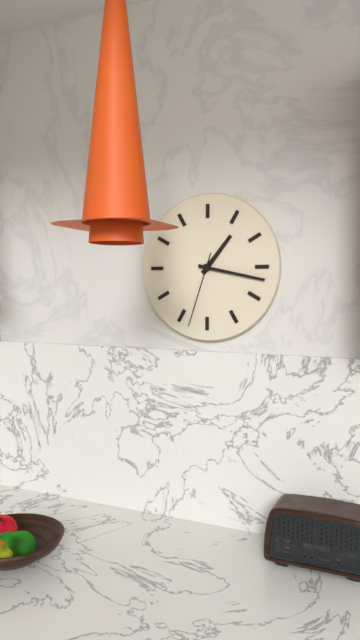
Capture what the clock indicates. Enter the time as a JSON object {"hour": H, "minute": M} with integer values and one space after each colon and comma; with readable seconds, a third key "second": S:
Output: {"hour": 1, "minute": 17, "second": 33}
